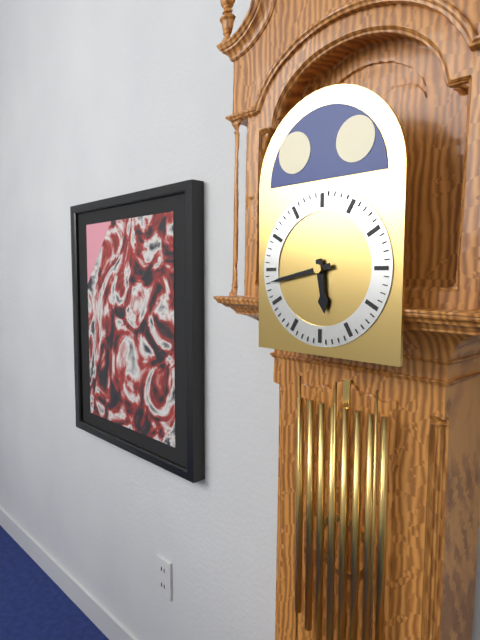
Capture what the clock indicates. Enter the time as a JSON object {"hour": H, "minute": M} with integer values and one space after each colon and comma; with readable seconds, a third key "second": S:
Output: {"hour": 5, "minute": 43}
